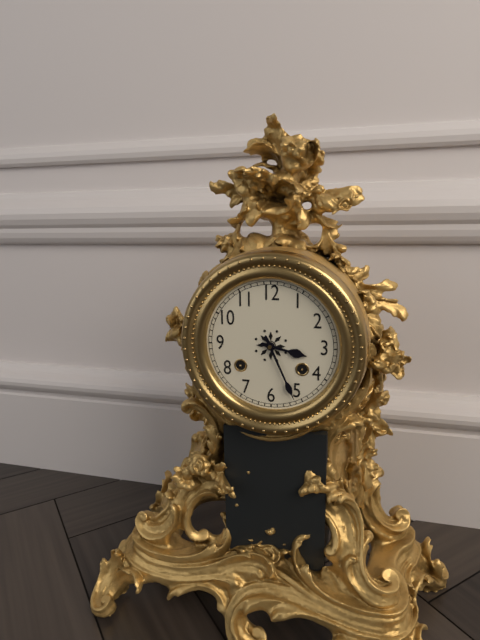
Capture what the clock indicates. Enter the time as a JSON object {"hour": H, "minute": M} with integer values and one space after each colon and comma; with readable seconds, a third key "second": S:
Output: {"hour": 3, "minute": 26}
